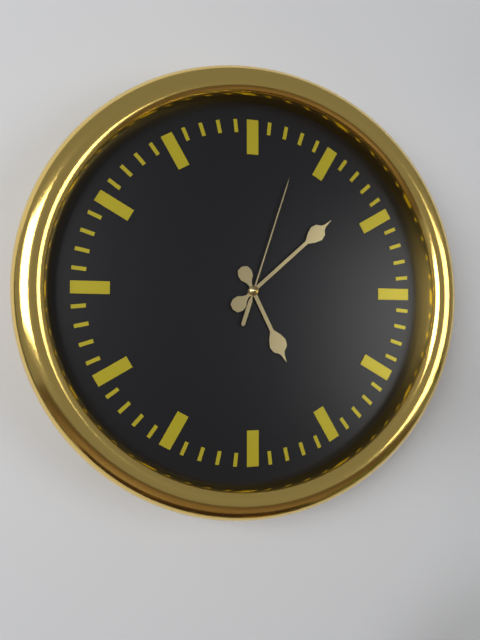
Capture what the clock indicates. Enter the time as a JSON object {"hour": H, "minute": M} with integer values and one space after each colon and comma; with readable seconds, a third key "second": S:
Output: {"hour": 5, "minute": 8, "second": 3}
